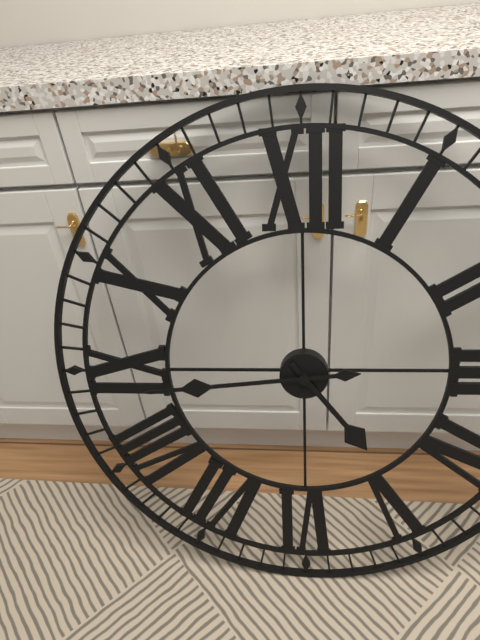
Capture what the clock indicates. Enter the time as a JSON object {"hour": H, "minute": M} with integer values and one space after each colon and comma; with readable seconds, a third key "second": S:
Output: {"hour": 4, "minute": 44}
